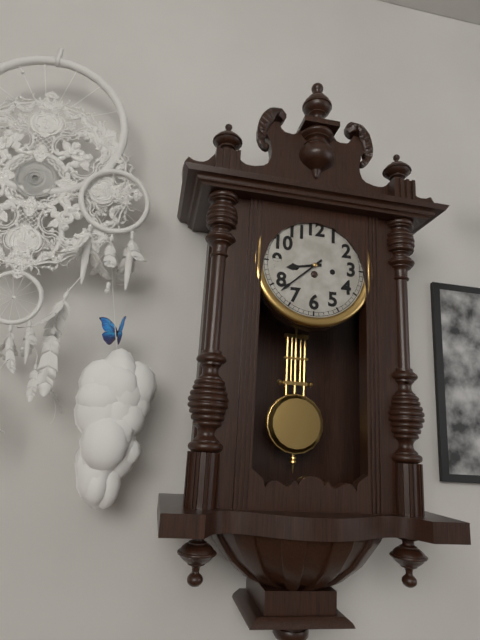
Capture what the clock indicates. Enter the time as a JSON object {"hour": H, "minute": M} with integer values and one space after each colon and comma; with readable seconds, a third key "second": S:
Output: {"hour": 8, "minute": 38}
